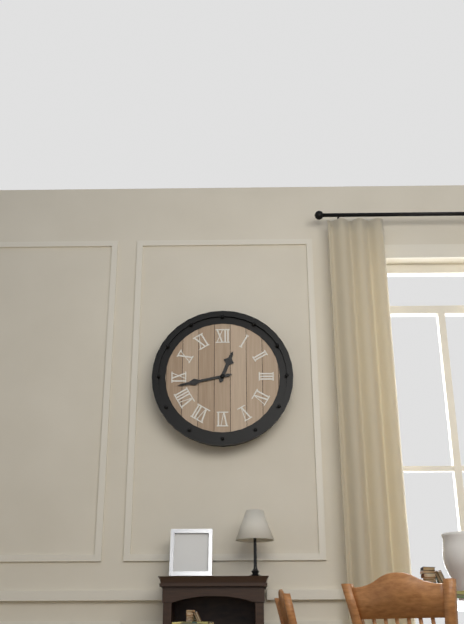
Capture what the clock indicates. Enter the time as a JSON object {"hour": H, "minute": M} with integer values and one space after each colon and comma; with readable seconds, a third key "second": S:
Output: {"hour": 12, "minute": 43}
